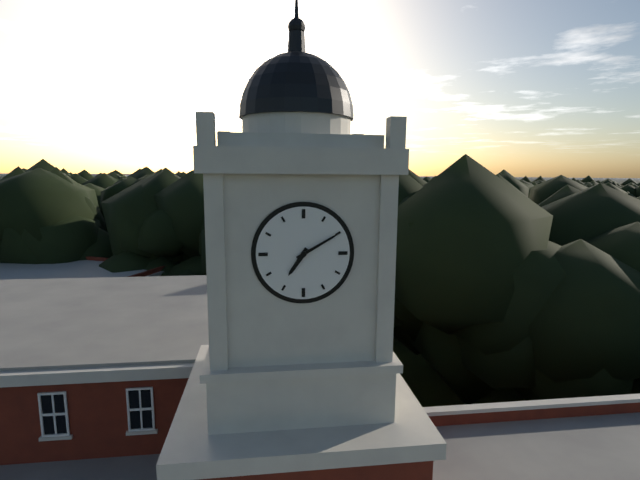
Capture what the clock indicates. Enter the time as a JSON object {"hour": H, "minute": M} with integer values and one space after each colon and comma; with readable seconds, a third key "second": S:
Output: {"hour": 7, "minute": 10}
